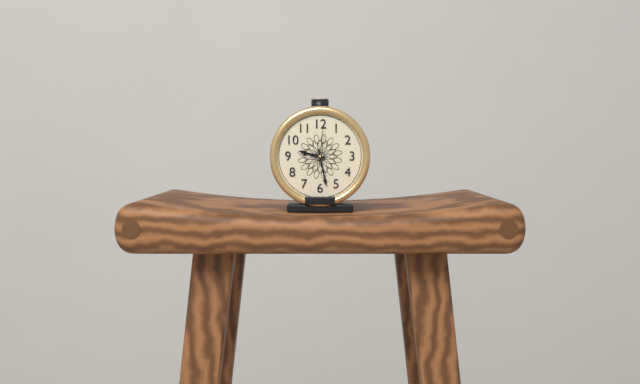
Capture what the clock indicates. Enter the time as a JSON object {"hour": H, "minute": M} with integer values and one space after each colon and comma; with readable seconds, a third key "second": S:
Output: {"hour": 9, "minute": 28}
